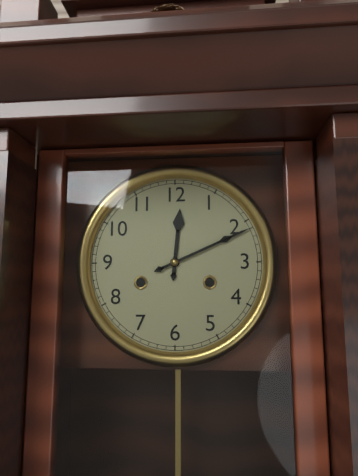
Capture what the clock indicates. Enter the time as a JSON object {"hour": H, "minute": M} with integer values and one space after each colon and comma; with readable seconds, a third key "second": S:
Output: {"hour": 12, "minute": 11}
